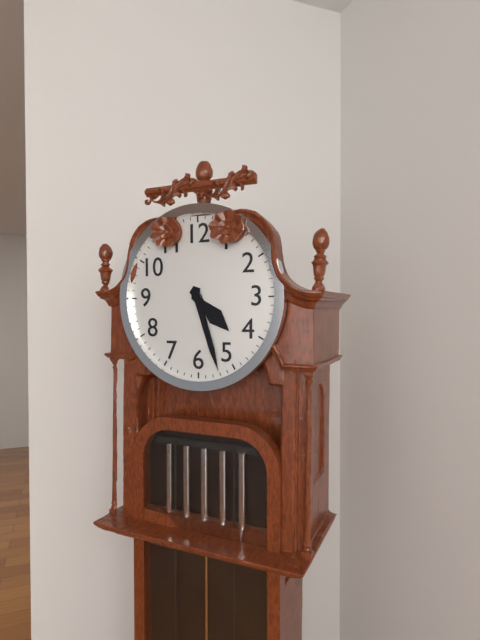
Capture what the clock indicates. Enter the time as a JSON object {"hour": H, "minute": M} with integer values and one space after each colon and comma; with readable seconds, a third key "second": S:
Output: {"hour": 4, "minute": 27}
